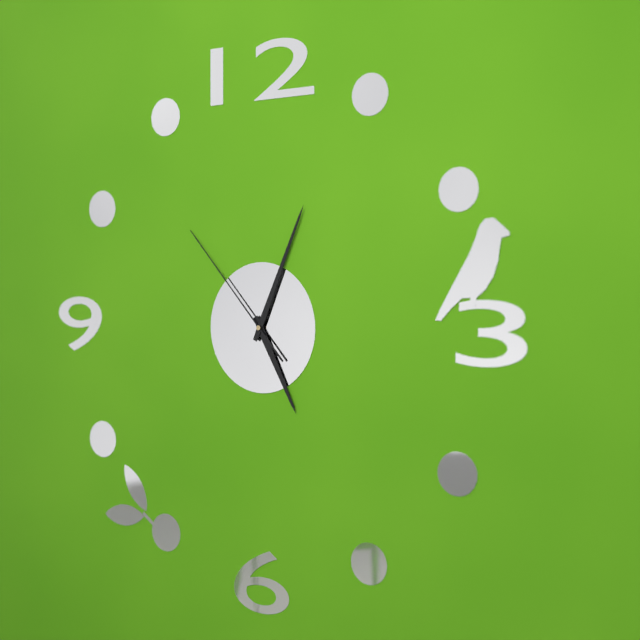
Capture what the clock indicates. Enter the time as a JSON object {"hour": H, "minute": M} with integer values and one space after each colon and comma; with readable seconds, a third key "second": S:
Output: {"hour": 5, "minute": 4, "second": 53}
